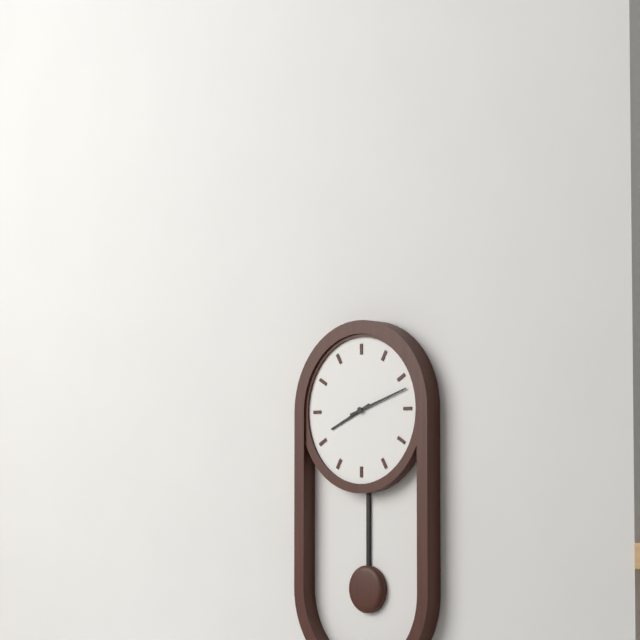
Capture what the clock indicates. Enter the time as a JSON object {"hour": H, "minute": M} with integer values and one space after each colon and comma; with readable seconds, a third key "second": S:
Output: {"hour": 8, "minute": 12}
